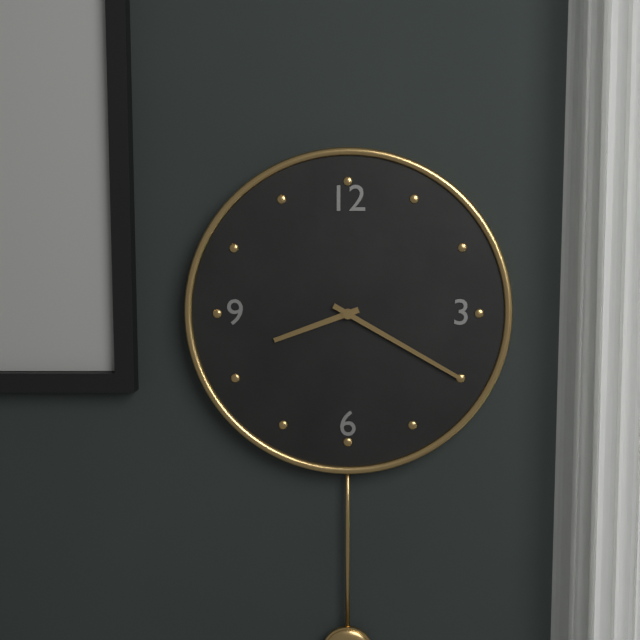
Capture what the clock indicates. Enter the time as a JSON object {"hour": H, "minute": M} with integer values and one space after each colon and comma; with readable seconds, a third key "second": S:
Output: {"hour": 8, "minute": 20}
